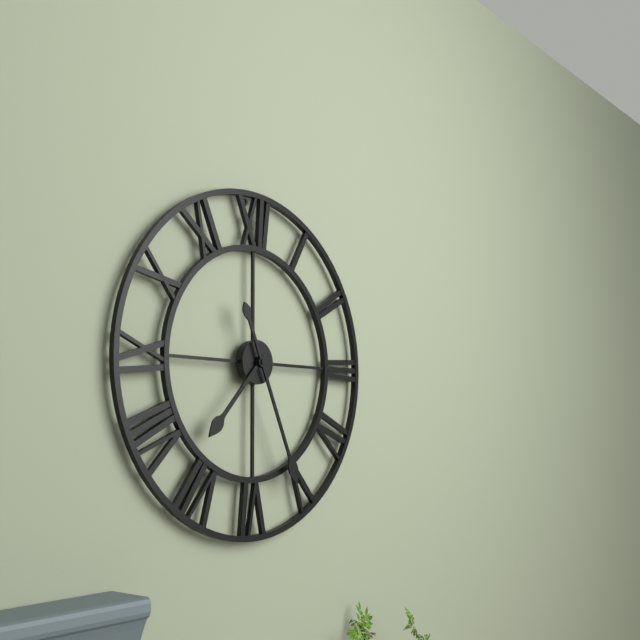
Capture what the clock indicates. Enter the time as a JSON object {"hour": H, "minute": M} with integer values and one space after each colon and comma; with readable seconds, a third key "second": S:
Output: {"hour": 7, "minute": 26}
